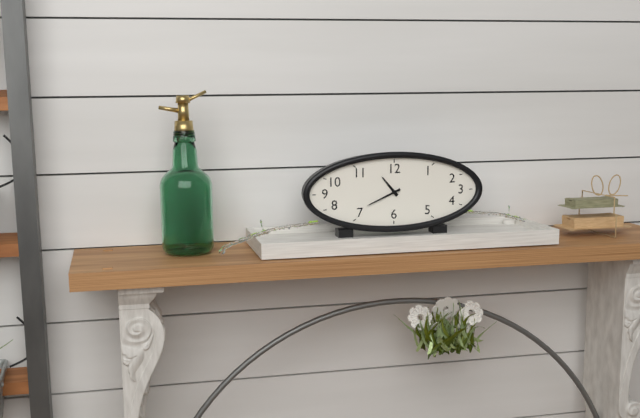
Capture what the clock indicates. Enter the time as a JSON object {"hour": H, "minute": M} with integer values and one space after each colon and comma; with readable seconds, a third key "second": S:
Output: {"hour": 10, "minute": 41}
